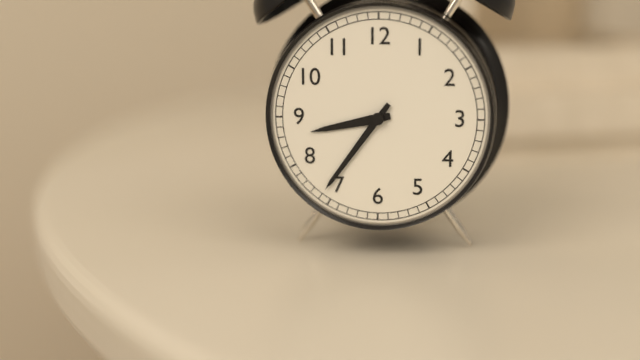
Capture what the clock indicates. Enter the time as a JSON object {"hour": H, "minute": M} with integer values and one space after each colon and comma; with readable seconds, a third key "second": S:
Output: {"hour": 8, "minute": 36}
